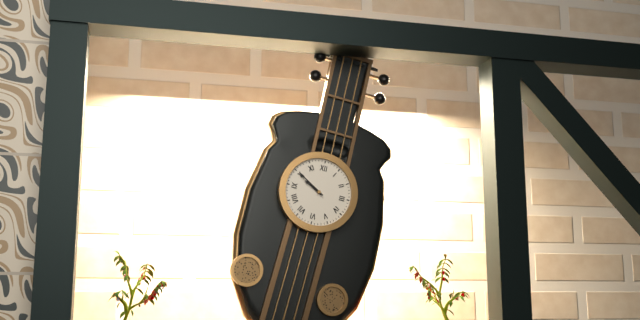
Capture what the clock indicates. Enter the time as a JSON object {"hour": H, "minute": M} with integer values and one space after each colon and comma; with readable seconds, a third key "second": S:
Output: {"hour": 9, "minute": 50}
